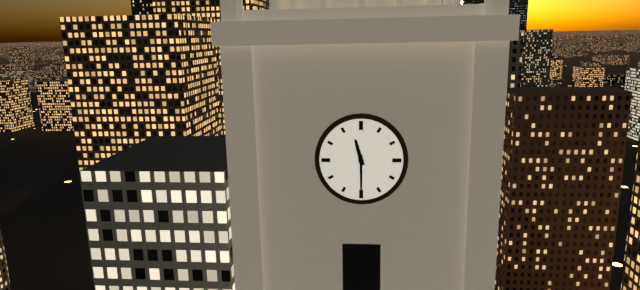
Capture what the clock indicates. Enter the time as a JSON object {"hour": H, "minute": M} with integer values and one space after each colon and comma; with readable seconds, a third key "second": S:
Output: {"hour": 11, "minute": 30}
